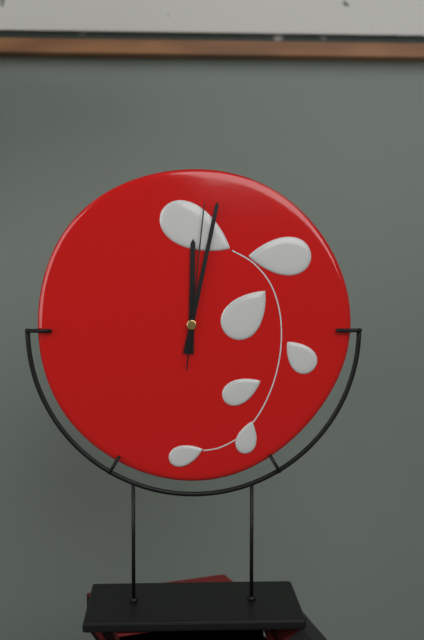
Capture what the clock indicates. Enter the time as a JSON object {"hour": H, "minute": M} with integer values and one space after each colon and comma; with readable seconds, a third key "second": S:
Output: {"hour": 12, "minute": 2, "second": 1}
